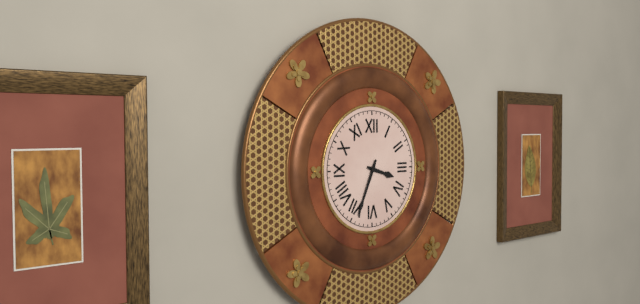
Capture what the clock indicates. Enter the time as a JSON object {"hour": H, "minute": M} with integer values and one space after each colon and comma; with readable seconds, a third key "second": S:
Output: {"hour": 3, "minute": 34}
